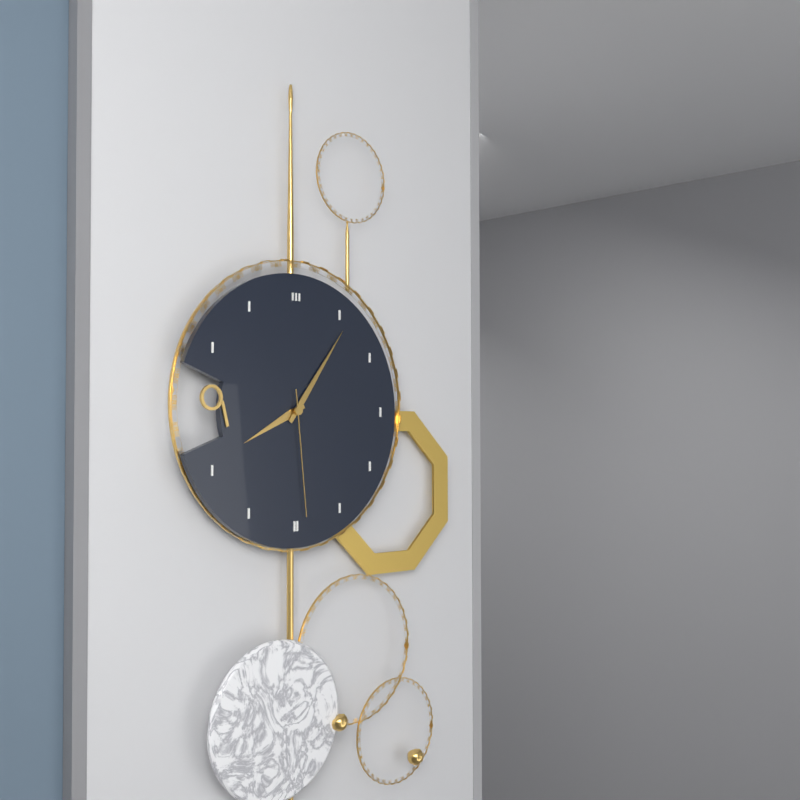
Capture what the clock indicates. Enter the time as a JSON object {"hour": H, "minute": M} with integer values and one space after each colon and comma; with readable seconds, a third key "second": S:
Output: {"hour": 8, "minute": 6, "second": 29}
